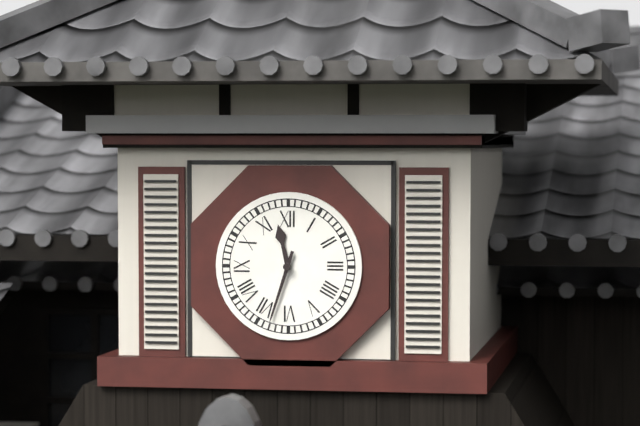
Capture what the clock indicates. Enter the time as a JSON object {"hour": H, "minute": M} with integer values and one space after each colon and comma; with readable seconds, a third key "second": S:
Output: {"hour": 11, "minute": 33}
